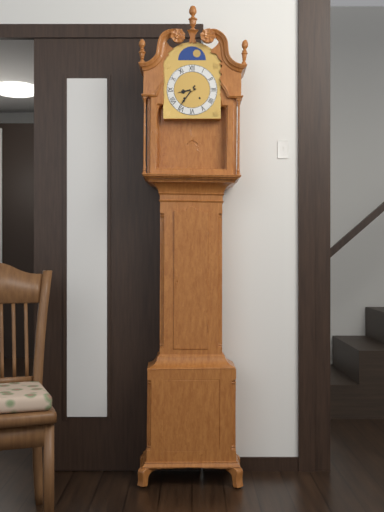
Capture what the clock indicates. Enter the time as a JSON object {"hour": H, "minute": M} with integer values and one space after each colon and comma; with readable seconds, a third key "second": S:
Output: {"hour": 8, "minute": 36}
